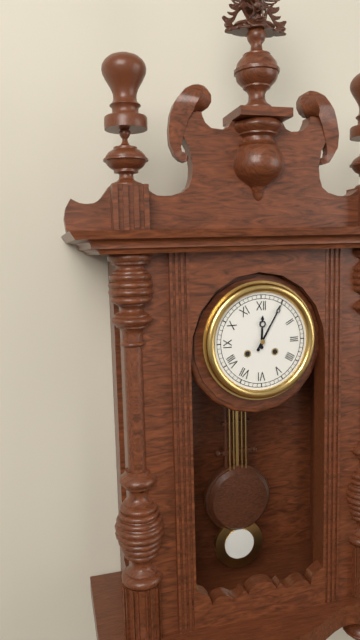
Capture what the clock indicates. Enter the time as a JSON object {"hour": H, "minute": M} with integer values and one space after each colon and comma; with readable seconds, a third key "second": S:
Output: {"hour": 12, "minute": 5}
